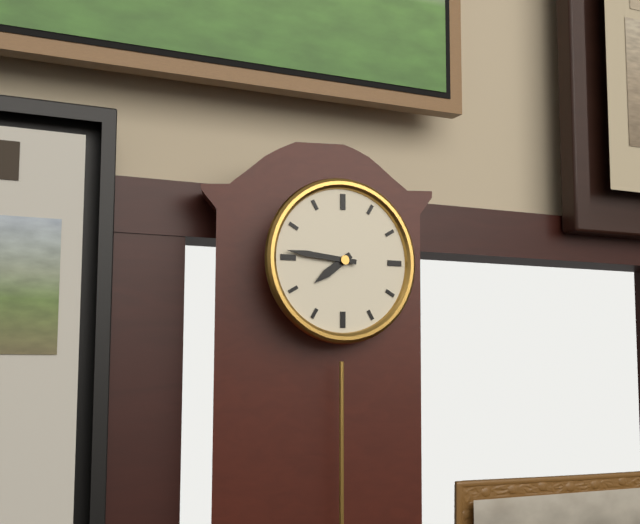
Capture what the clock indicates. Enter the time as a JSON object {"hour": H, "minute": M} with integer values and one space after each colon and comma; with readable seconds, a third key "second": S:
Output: {"hour": 7, "minute": 46}
